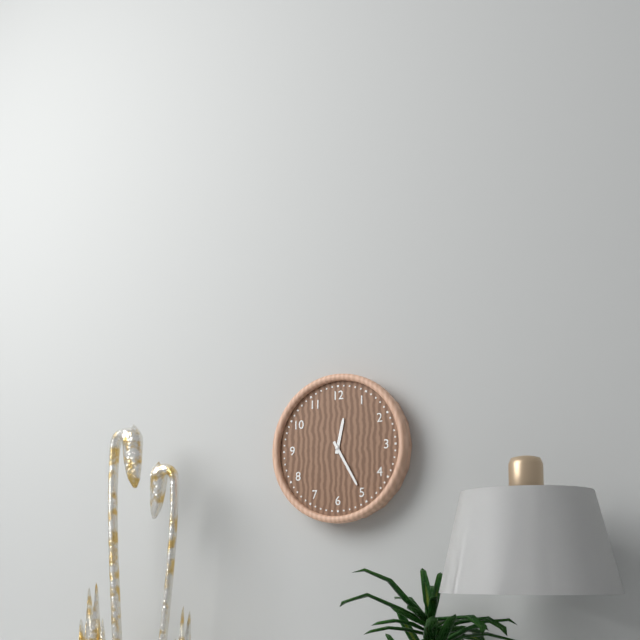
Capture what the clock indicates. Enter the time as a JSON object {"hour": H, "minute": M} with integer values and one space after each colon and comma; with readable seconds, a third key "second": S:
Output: {"hour": 12, "minute": 25}
